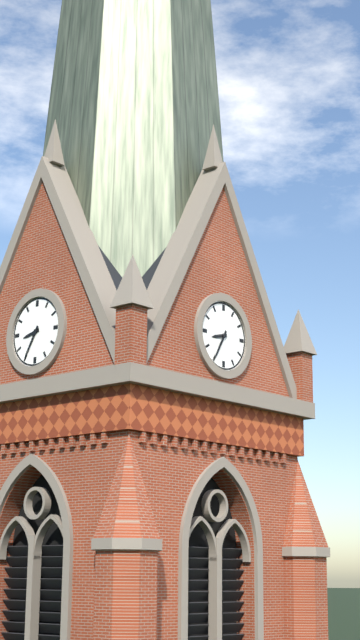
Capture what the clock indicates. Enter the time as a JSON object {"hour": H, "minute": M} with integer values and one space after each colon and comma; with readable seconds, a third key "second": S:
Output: {"hour": 8, "minute": 35}
